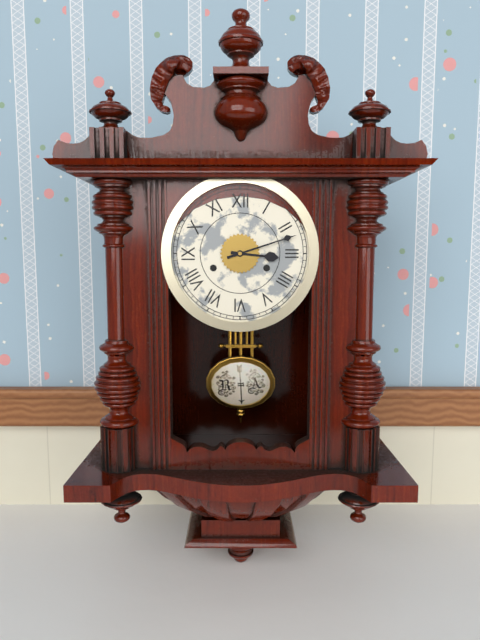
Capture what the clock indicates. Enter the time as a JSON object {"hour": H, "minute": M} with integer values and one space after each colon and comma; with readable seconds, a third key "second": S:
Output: {"hour": 3, "minute": 12}
